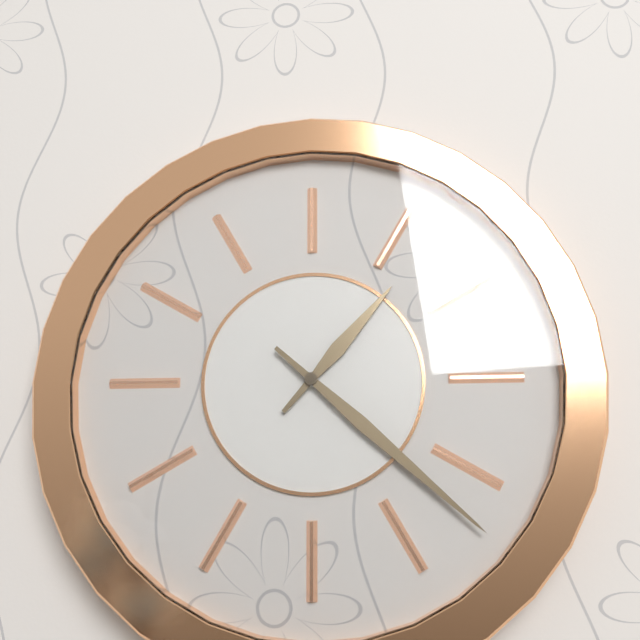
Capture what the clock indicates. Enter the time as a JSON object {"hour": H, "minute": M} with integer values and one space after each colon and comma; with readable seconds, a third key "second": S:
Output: {"hour": 1, "minute": 22}
